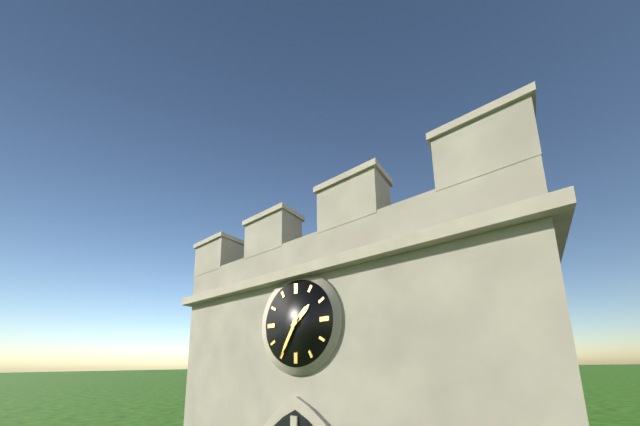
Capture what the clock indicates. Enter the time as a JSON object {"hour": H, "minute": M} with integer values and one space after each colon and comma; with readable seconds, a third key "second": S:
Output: {"hour": 1, "minute": 35}
